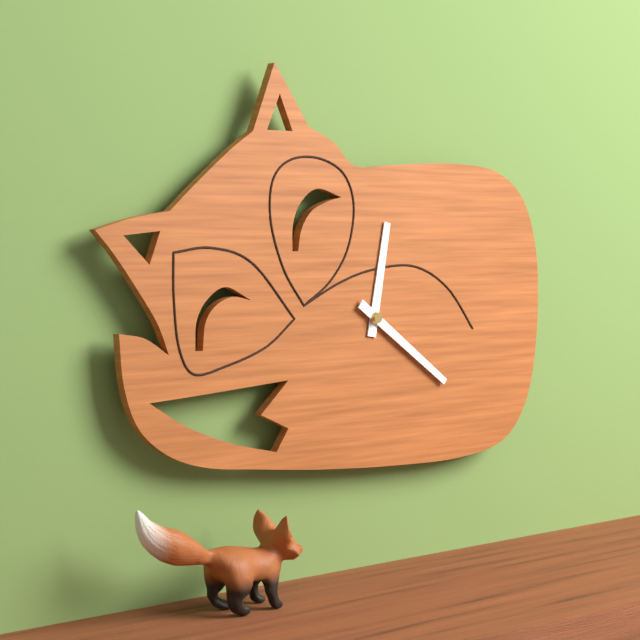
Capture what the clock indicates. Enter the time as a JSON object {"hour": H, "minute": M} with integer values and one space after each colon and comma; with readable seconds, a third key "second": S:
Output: {"hour": 12, "minute": 21}
